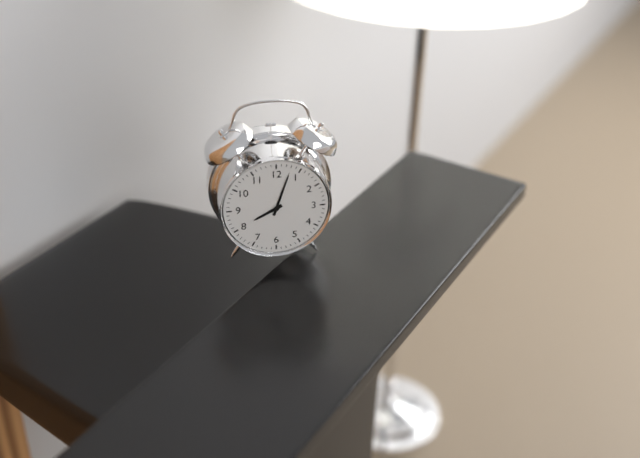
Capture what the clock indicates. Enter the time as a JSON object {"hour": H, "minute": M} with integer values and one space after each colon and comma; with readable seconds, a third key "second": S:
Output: {"hour": 8, "minute": 3}
